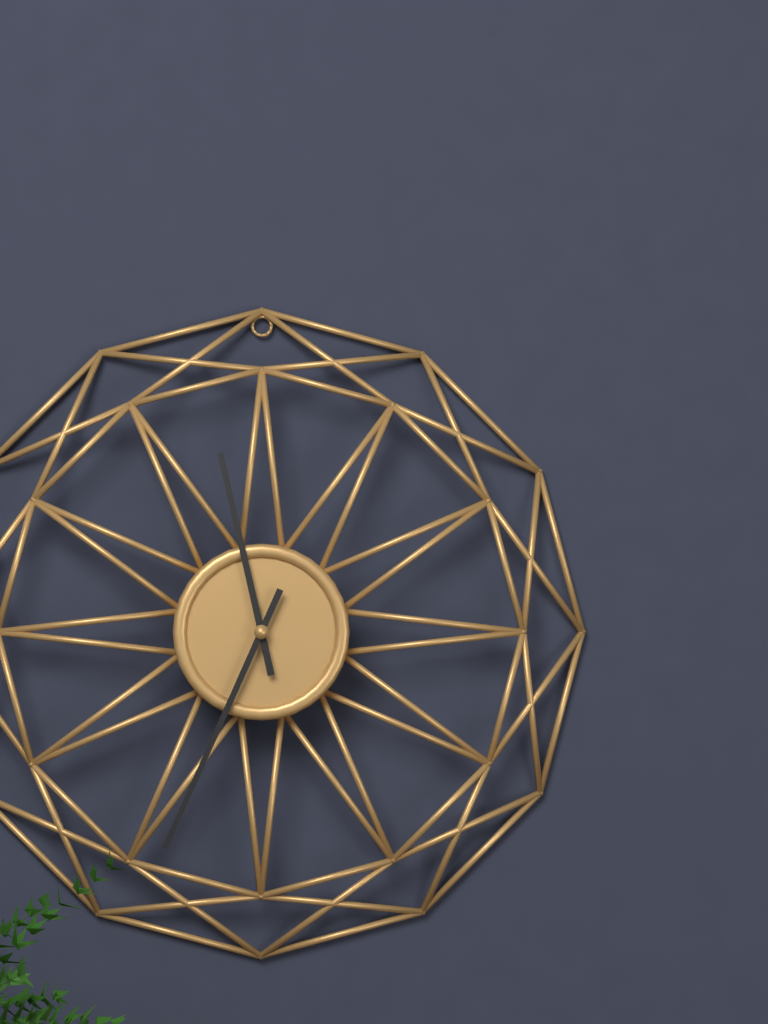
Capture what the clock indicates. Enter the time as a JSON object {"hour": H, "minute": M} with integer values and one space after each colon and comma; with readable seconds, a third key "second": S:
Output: {"hour": 11, "minute": 34}
